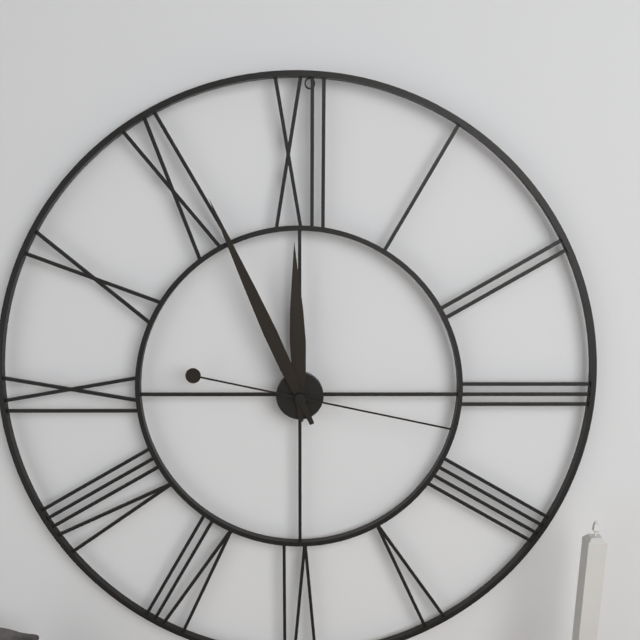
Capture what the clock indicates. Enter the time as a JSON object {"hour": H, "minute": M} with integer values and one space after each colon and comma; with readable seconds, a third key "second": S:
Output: {"hour": 11, "minute": 56, "second": 17}
